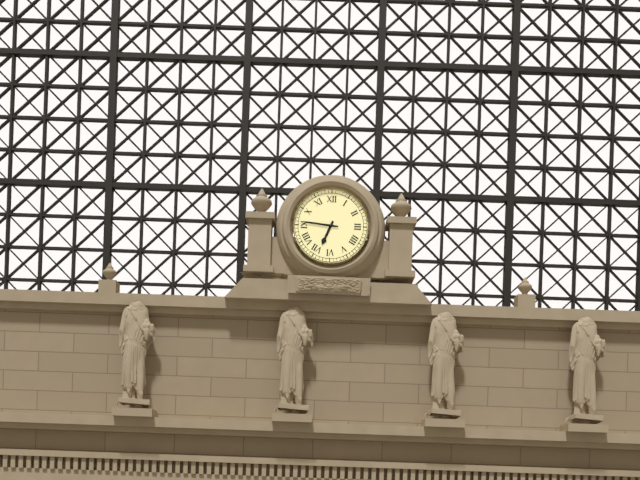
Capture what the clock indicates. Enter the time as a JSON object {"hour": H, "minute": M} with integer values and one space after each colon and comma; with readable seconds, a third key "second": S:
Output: {"hour": 6, "minute": 46}
